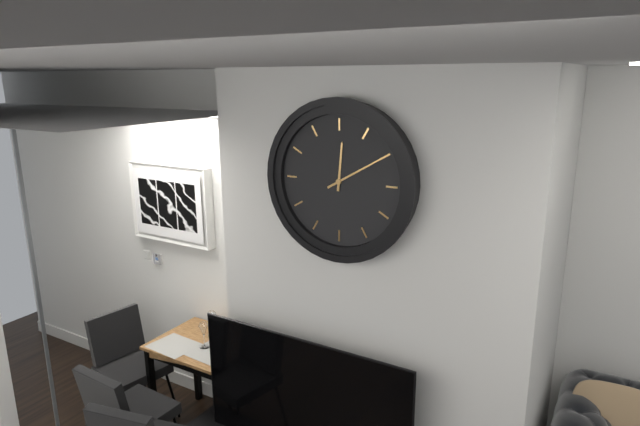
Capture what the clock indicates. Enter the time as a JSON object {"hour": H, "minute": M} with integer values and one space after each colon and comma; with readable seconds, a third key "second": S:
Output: {"hour": 12, "minute": 10}
